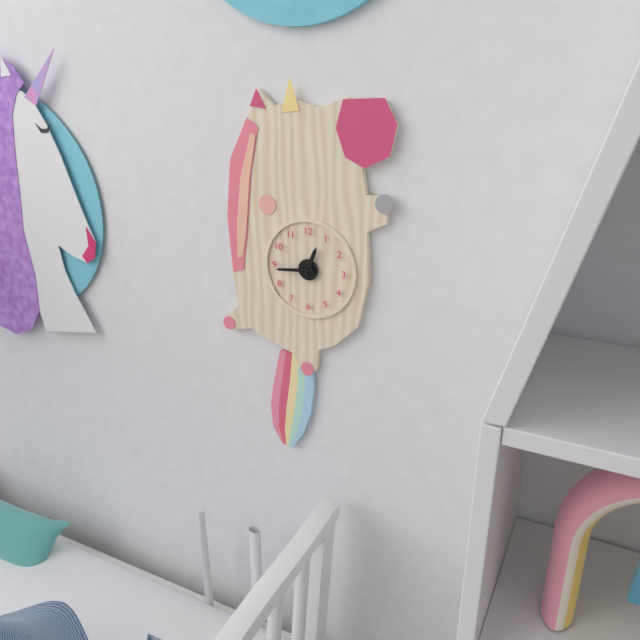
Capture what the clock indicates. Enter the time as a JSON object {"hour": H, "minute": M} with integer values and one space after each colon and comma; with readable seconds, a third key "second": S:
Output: {"hour": 12, "minute": 44}
